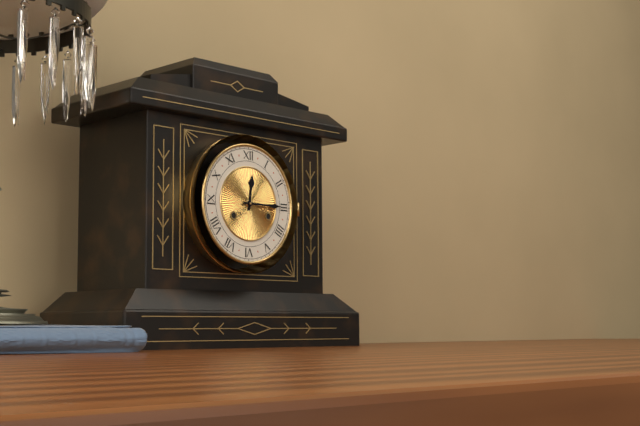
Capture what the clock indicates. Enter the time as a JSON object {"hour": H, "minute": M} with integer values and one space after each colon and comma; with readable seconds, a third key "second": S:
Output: {"hour": 12, "minute": 15}
